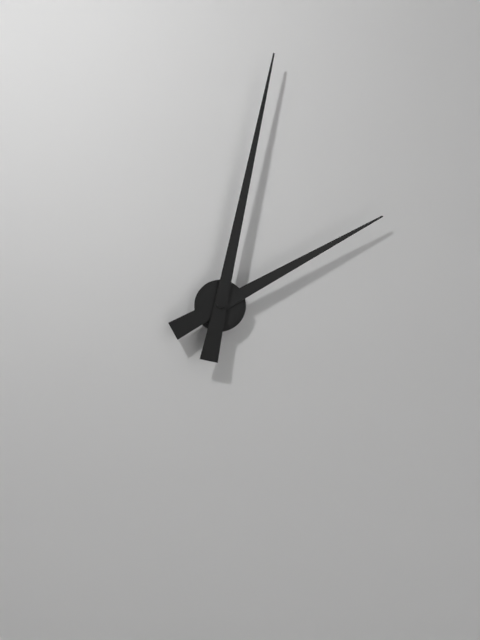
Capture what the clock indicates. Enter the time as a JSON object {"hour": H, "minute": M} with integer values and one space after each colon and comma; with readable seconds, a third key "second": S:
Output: {"hour": 2, "minute": 2}
